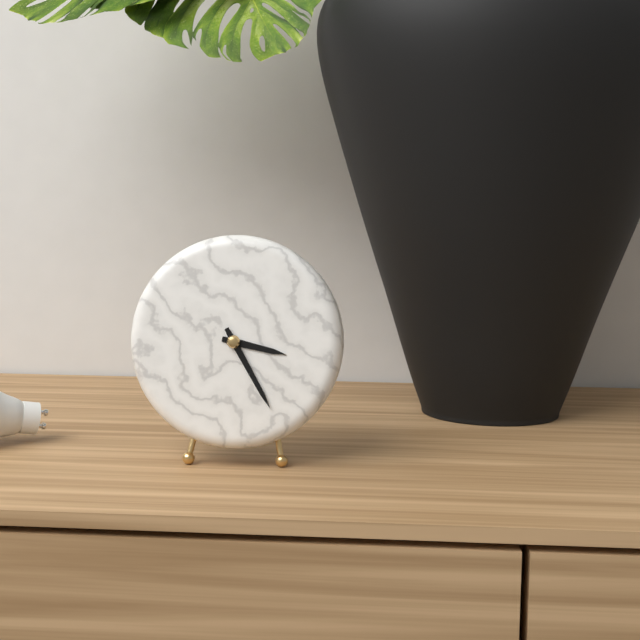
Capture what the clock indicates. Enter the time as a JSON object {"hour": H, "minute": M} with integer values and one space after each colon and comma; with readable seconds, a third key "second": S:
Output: {"hour": 3, "minute": 25}
